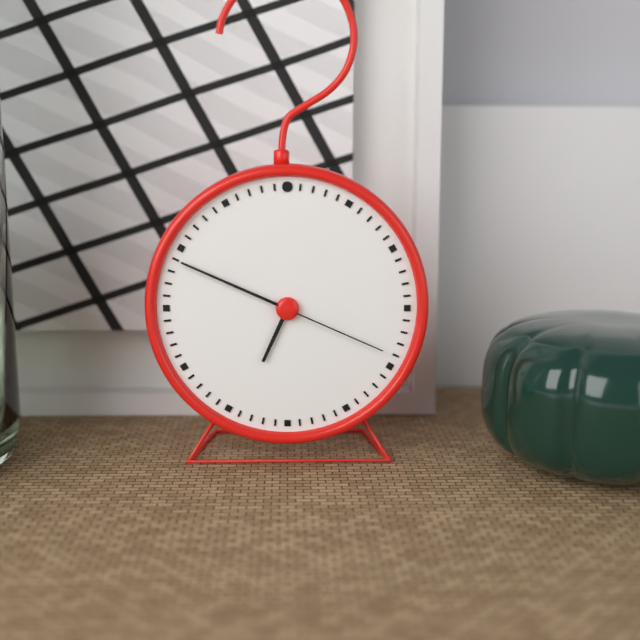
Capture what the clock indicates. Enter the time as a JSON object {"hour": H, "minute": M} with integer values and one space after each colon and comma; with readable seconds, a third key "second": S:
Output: {"hour": 6, "minute": 49, "second": 19}
